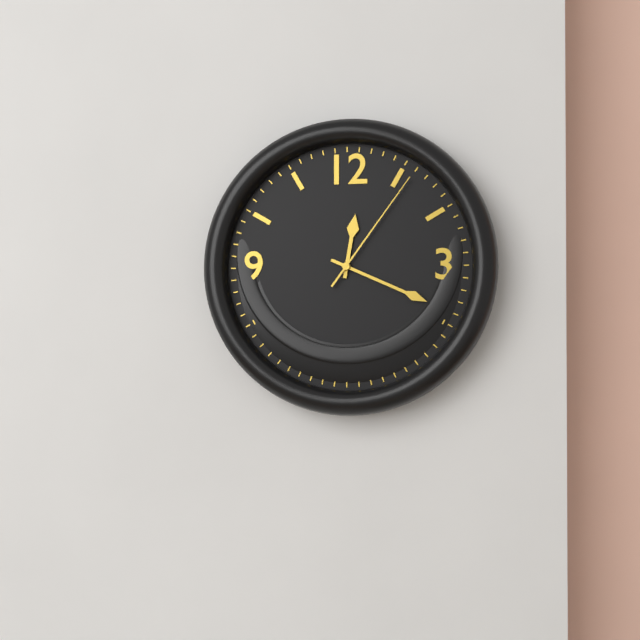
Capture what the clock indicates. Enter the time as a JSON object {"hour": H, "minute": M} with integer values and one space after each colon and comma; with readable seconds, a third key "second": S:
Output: {"hour": 12, "minute": 19, "second": 6}
